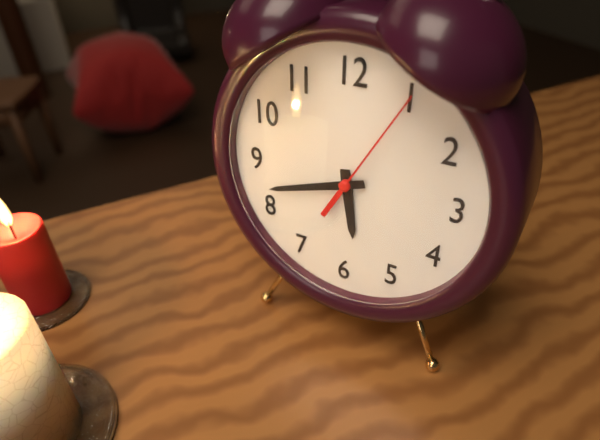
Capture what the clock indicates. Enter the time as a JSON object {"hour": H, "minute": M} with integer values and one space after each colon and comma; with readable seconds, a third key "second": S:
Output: {"hour": 5, "minute": 42, "second": 5}
